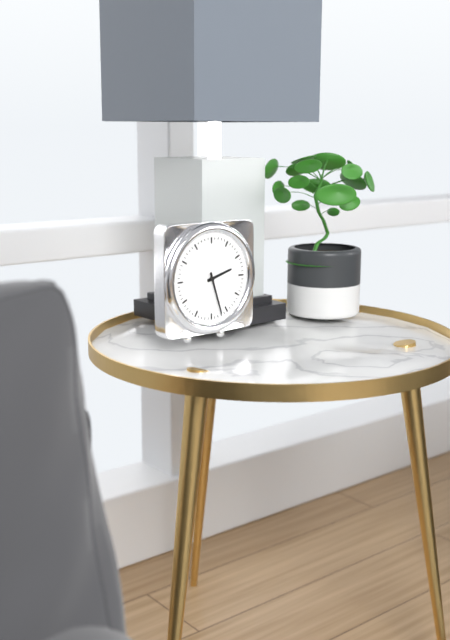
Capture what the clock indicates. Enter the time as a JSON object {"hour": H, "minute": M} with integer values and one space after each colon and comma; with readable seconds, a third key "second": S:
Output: {"hour": 2, "minute": 27}
